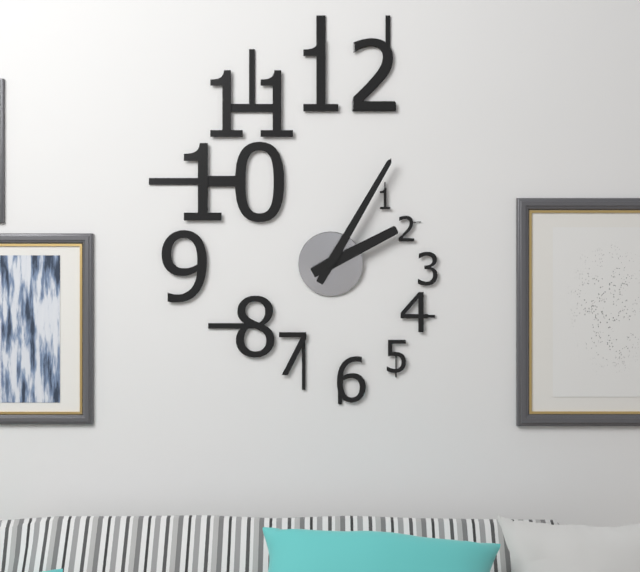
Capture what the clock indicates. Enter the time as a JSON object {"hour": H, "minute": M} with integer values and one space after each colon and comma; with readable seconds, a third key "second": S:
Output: {"hour": 2, "minute": 5}
